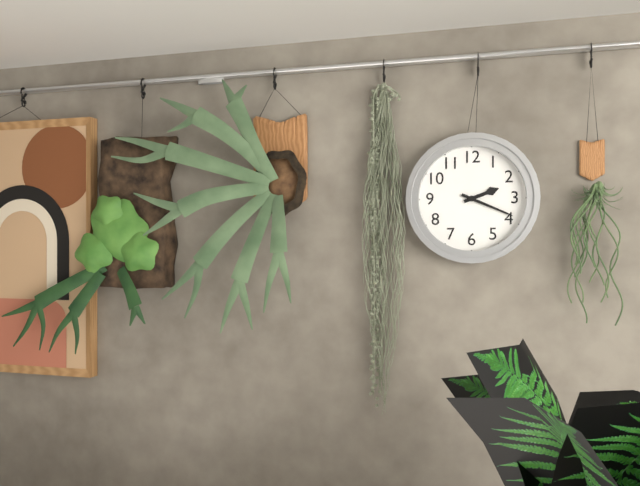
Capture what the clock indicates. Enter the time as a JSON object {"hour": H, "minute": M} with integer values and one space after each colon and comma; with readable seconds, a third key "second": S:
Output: {"hour": 2, "minute": 19}
